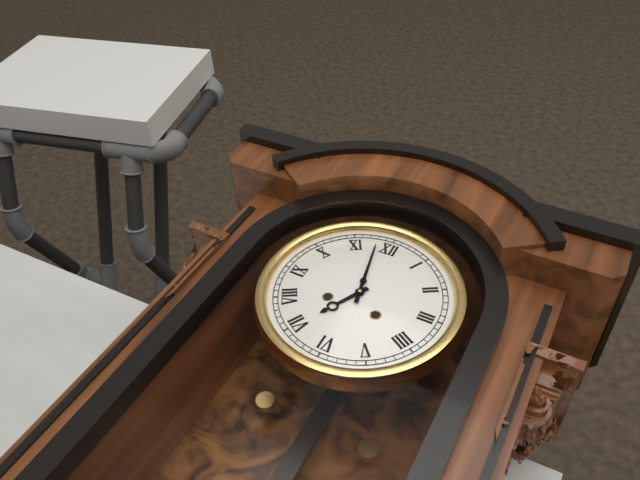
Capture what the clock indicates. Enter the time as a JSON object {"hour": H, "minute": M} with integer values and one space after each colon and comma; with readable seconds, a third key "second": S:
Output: {"hour": 6, "minute": 58}
